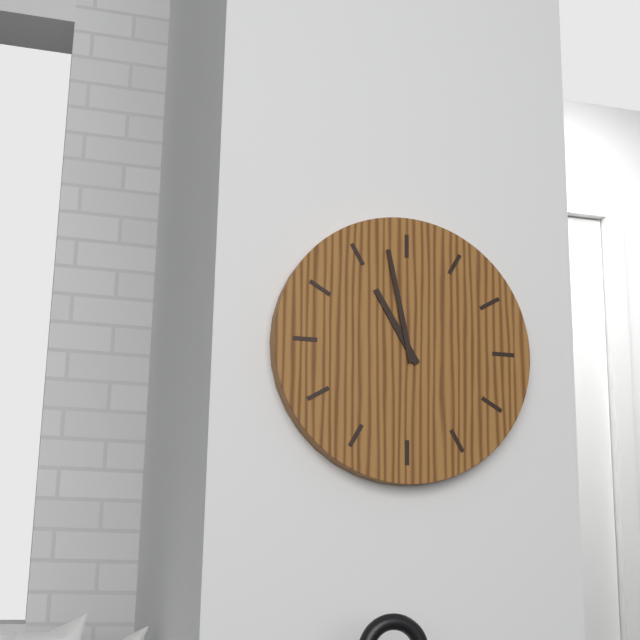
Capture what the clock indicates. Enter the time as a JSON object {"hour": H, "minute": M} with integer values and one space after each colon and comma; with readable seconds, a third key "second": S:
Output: {"hour": 10, "minute": 58}
